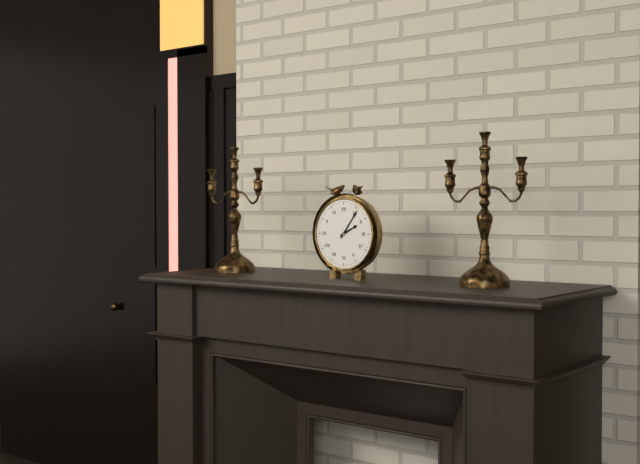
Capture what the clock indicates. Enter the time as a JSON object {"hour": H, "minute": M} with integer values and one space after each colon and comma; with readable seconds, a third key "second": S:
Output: {"hour": 2, "minute": 6}
